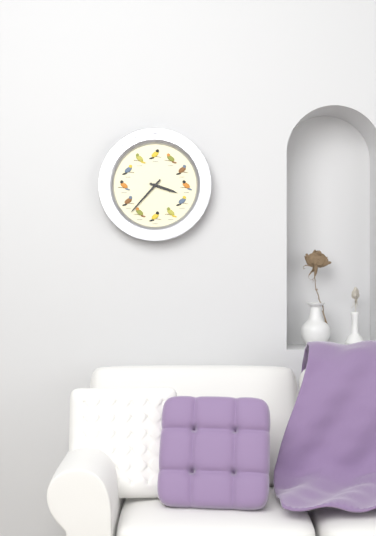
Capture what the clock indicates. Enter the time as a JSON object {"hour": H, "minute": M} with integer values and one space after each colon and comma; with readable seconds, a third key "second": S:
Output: {"hour": 3, "minute": 37}
